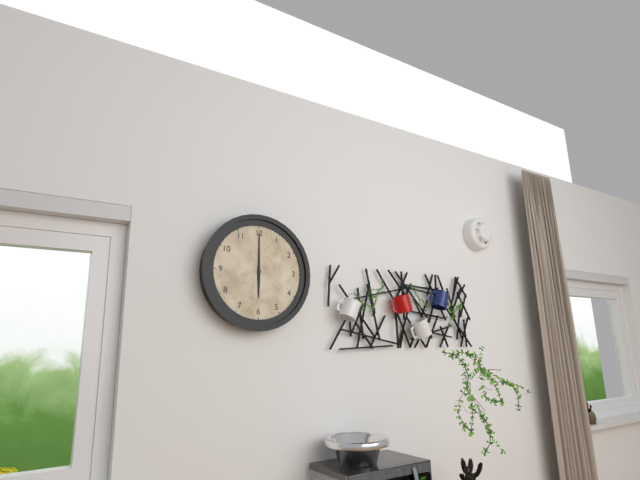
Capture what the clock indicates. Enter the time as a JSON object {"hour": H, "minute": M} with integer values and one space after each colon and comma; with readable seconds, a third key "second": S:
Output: {"hour": 6, "minute": 0}
